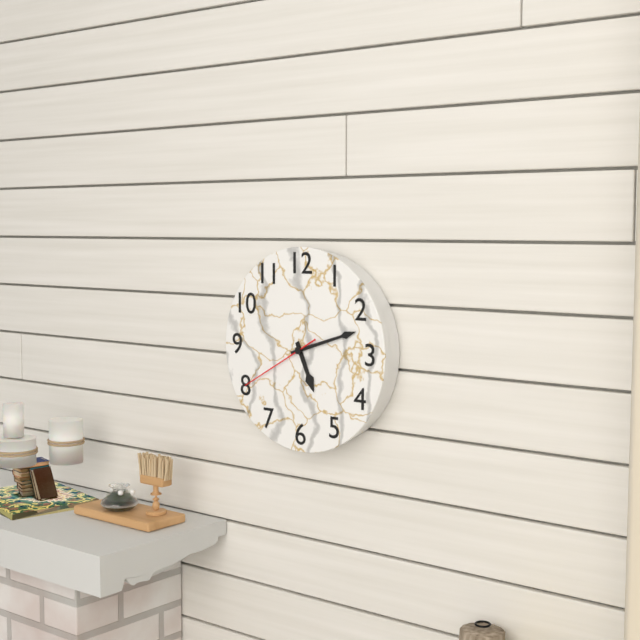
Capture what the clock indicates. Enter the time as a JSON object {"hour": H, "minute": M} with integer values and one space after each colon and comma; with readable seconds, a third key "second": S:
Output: {"hour": 5, "minute": 12, "second": 40}
